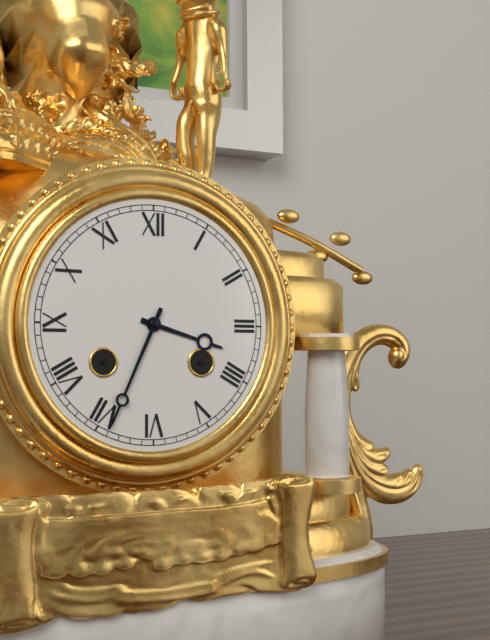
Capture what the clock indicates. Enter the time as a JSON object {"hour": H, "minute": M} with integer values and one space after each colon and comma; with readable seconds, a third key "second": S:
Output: {"hour": 3, "minute": 34}
